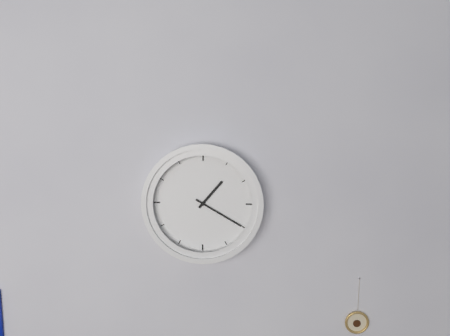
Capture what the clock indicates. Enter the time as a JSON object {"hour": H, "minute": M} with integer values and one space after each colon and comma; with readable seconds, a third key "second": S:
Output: {"hour": 1, "minute": 20}
